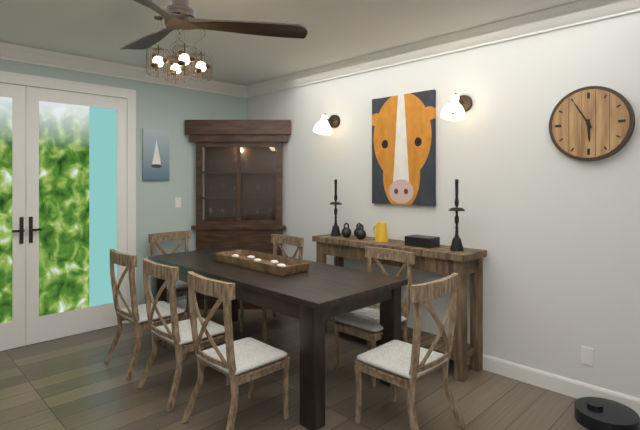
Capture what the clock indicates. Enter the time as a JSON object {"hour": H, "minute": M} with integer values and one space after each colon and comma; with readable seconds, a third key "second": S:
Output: {"hour": 5, "minute": 55}
